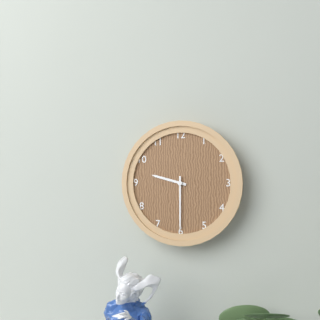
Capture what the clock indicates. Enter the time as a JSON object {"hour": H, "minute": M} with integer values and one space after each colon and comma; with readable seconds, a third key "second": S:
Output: {"hour": 9, "minute": 30}
